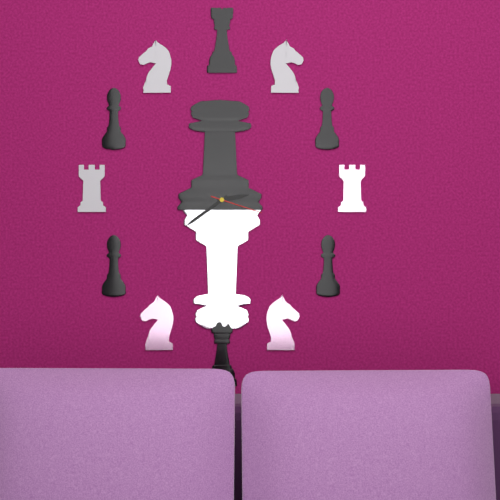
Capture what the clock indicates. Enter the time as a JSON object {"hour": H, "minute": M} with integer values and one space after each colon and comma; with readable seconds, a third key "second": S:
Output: {"hour": 2, "minute": 39, "second": 18}
